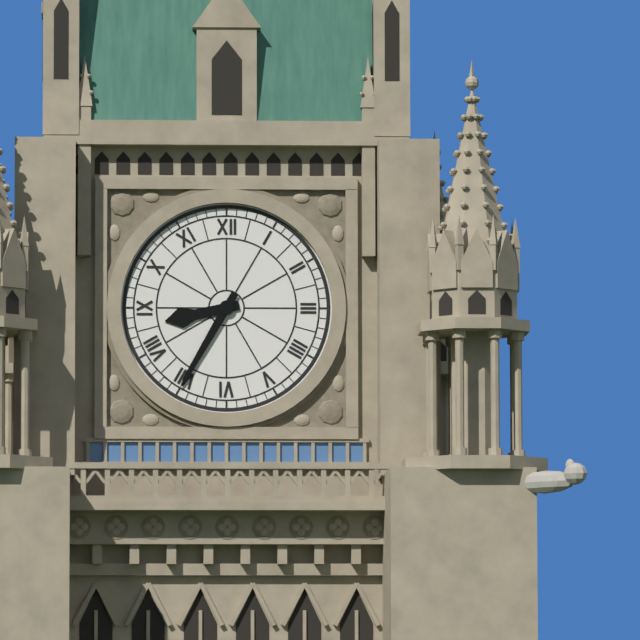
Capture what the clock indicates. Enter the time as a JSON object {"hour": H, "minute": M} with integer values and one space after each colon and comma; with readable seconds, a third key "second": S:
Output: {"hour": 8, "minute": 35}
